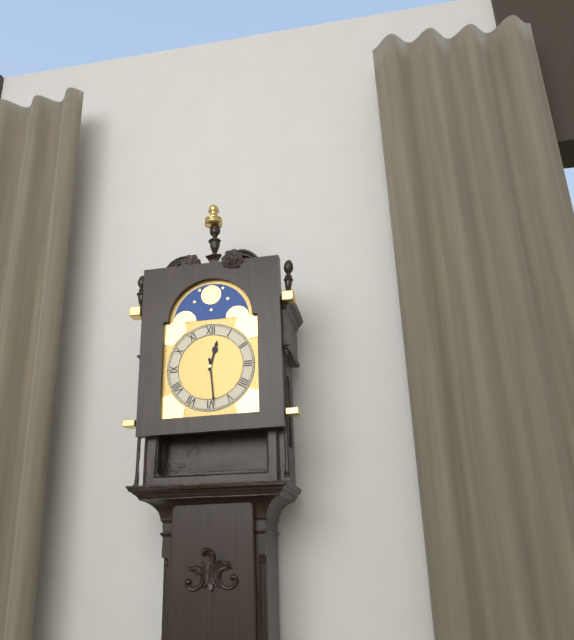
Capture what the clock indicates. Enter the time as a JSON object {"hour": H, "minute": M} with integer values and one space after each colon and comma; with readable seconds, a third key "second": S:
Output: {"hour": 12, "minute": 29}
